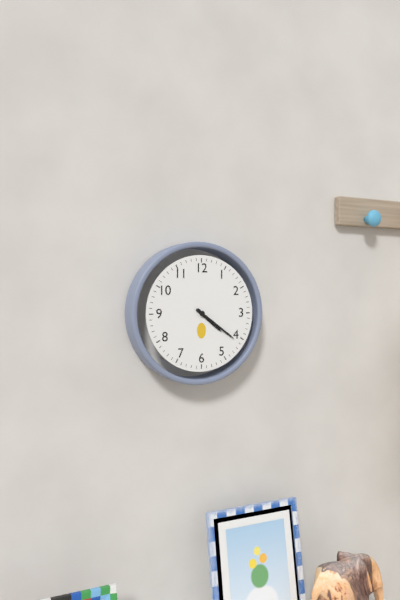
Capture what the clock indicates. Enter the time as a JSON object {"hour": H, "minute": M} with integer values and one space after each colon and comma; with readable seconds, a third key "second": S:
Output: {"hour": 4, "minute": 21}
